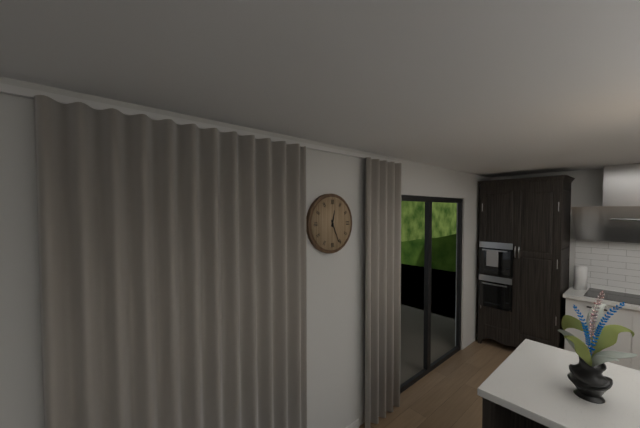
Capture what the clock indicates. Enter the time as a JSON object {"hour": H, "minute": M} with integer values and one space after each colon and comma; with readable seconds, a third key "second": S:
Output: {"hour": 12, "minute": 26}
